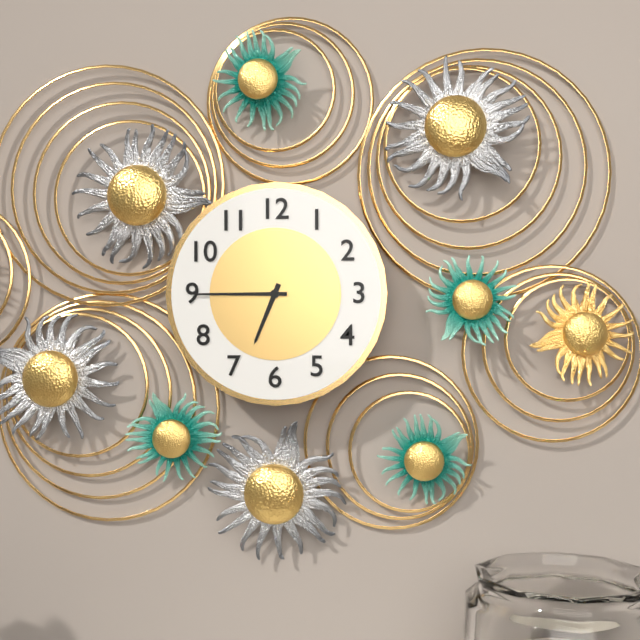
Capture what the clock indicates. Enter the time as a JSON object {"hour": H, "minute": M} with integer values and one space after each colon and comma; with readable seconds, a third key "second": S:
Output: {"hour": 6, "minute": 45}
